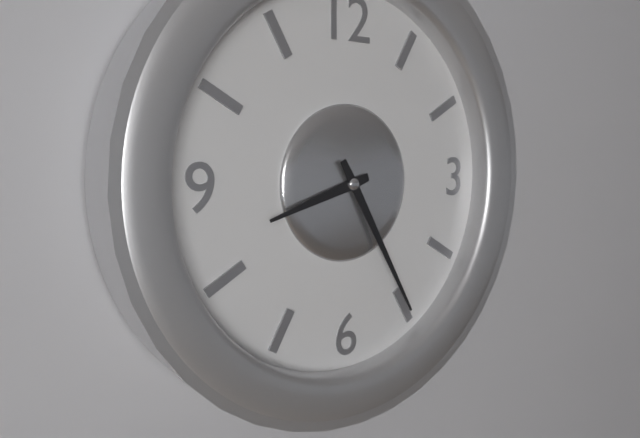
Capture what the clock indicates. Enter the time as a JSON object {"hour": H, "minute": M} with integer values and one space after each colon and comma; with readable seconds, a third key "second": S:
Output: {"hour": 8, "minute": 25}
